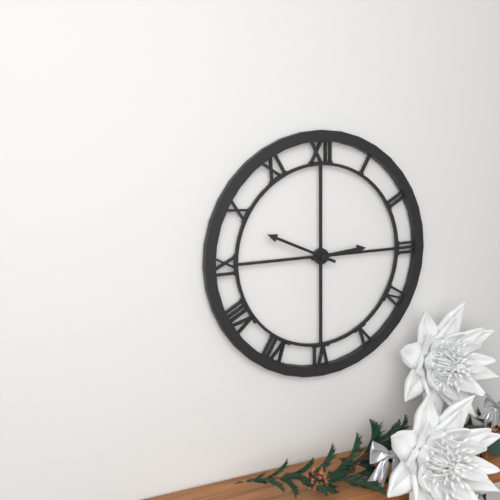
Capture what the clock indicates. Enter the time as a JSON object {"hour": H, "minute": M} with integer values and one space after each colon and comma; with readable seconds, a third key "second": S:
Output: {"hour": 2, "minute": 49}
